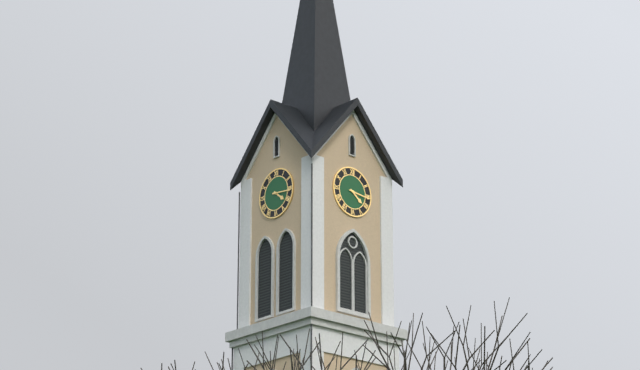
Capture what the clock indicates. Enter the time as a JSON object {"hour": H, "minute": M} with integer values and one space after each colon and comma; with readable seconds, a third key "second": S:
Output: {"hour": 4, "minute": 16}
